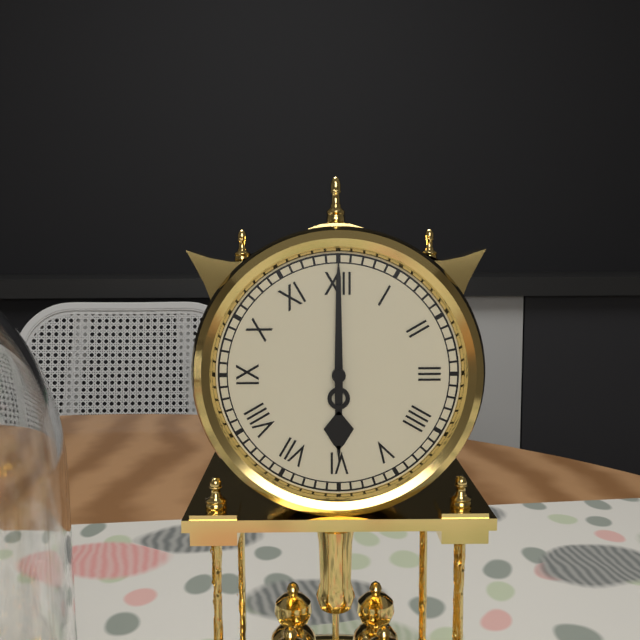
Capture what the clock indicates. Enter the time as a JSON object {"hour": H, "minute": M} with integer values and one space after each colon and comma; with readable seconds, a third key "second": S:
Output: {"hour": 6, "minute": 0}
